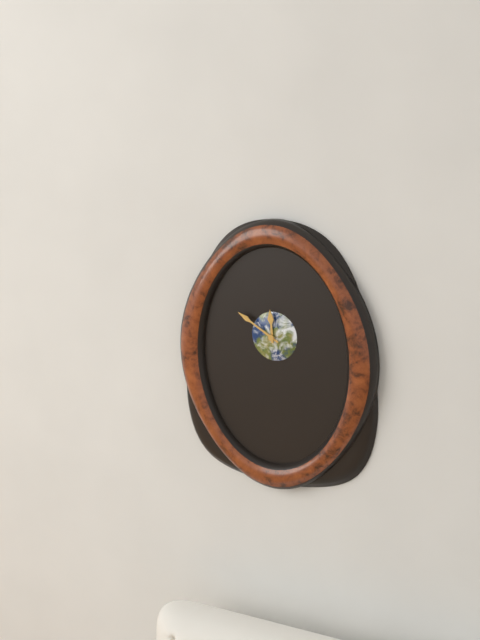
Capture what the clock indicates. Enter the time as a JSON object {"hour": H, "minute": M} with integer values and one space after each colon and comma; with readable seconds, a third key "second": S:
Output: {"hour": 11, "minute": 50}
